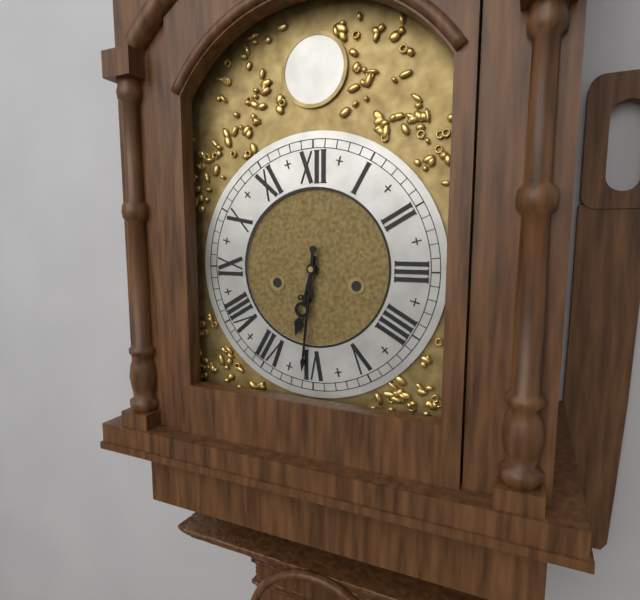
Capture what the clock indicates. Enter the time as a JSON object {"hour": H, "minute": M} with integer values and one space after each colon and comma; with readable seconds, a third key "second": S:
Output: {"hour": 6, "minute": 31}
